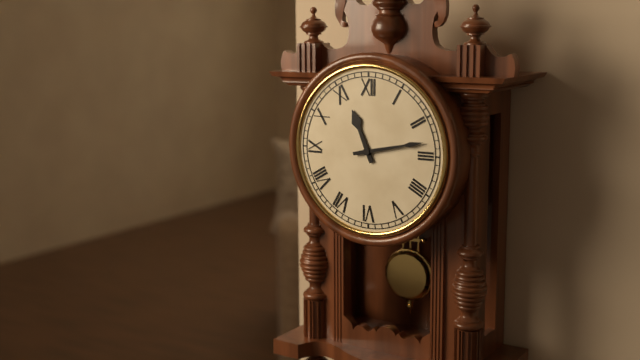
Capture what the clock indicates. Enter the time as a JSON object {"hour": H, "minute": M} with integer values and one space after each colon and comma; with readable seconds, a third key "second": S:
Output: {"hour": 11, "minute": 13}
